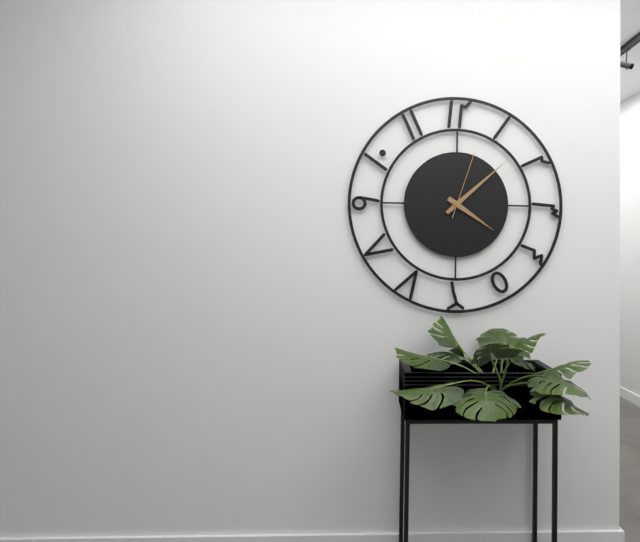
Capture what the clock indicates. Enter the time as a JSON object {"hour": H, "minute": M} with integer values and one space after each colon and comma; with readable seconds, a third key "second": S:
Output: {"hour": 4, "minute": 8, "second": 3}
